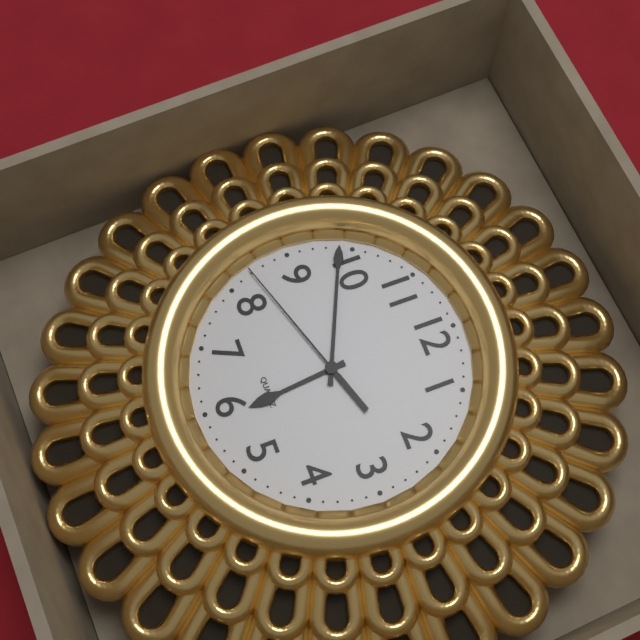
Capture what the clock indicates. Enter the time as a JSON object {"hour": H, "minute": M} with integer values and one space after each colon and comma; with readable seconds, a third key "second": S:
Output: {"hour": 5, "minute": 49, "second": 42}
